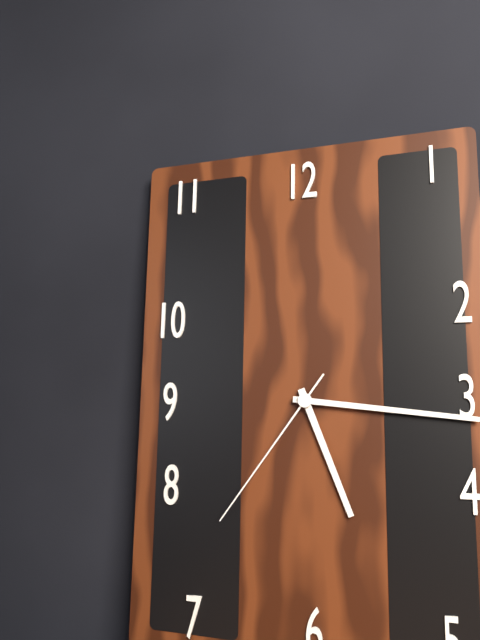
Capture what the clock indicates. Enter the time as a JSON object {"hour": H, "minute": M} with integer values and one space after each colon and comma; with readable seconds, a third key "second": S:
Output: {"hour": 5, "minute": 16, "second": 36}
